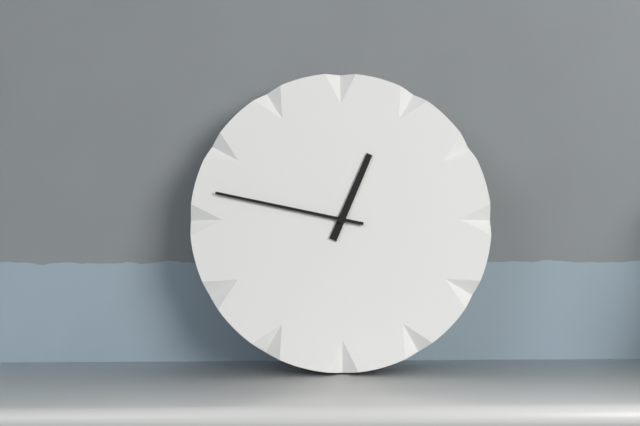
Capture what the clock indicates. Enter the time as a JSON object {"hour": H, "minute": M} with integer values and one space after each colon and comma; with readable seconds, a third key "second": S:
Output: {"hour": 12, "minute": 47}
